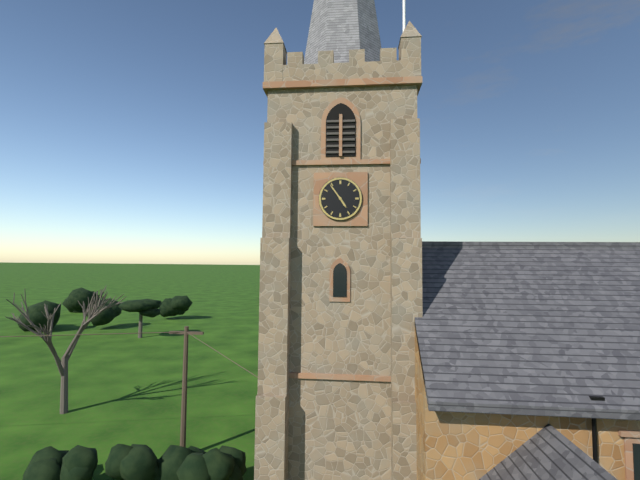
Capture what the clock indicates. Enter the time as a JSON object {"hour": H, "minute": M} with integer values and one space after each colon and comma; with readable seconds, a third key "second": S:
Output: {"hour": 4, "minute": 54}
